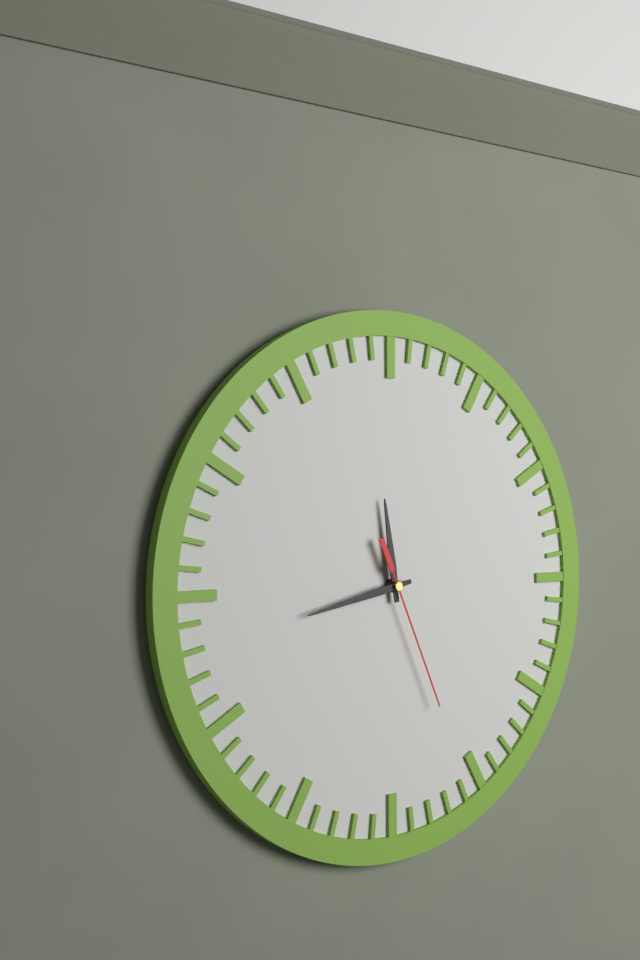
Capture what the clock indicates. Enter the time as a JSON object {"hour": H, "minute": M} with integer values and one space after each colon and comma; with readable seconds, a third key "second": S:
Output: {"hour": 11, "minute": 43, "second": 26}
